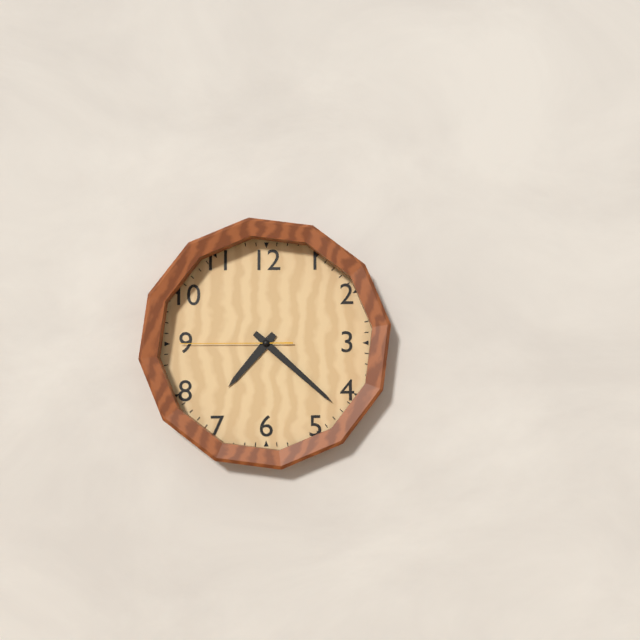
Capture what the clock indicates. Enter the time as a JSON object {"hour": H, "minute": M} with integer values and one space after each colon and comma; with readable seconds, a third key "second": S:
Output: {"hour": 7, "minute": 22, "second": 45}
